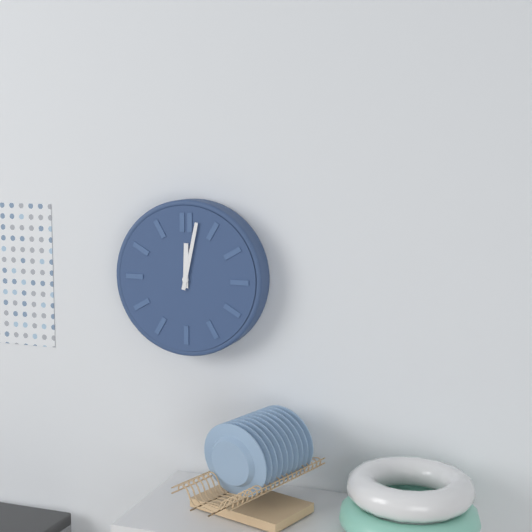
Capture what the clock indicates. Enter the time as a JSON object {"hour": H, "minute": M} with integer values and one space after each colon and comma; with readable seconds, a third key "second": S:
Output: {"hour": 12, "minute": 2}
